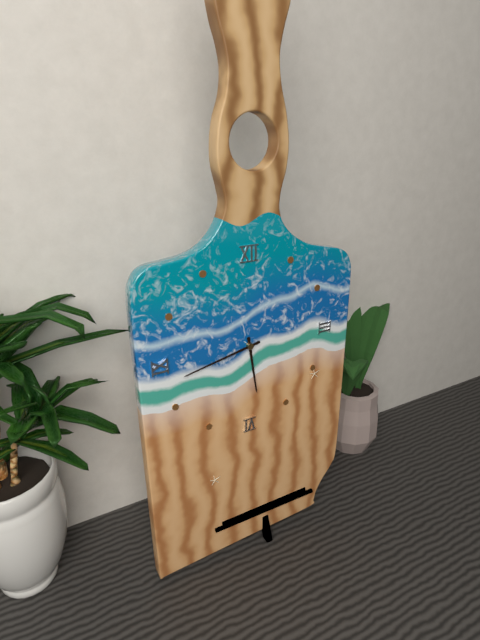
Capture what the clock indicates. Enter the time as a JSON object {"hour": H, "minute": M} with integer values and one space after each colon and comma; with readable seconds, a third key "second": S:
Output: {"hour": 5, "minute": 43}
